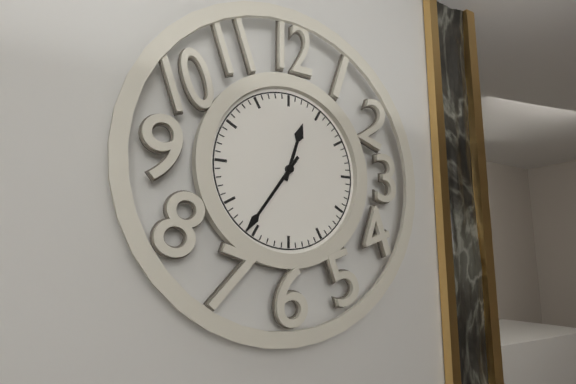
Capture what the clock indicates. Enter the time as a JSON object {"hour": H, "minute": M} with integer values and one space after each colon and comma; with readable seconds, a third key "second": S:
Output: {"hour": 12, "minute": 36}
